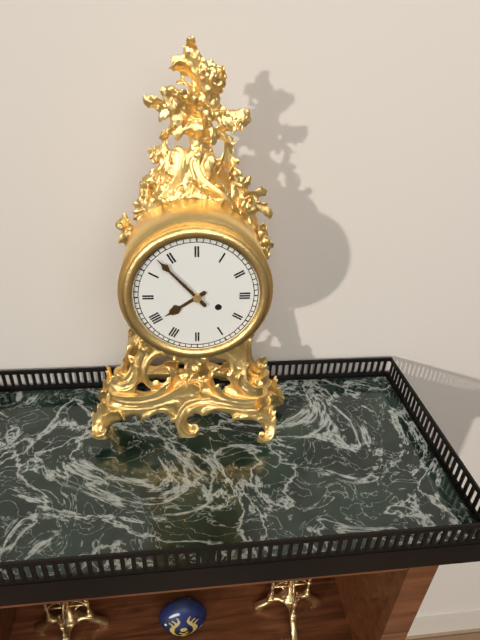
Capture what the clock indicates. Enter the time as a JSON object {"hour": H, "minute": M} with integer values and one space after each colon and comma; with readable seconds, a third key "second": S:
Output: {"hour": 7, "minute": 53}
